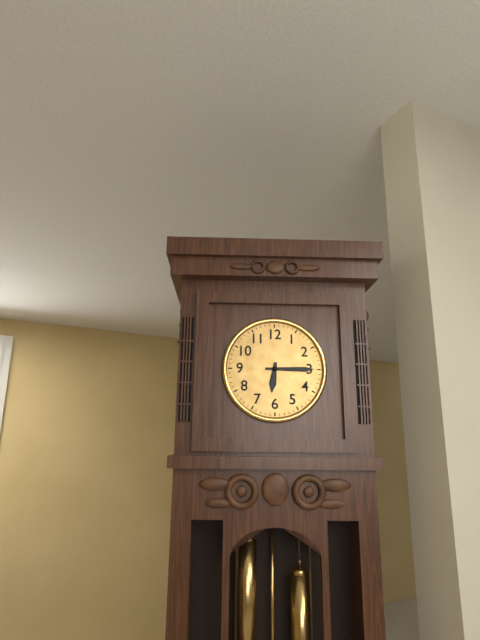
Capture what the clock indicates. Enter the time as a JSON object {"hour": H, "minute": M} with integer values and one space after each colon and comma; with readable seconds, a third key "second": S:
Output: {"hour": 6, "minute": 15}
